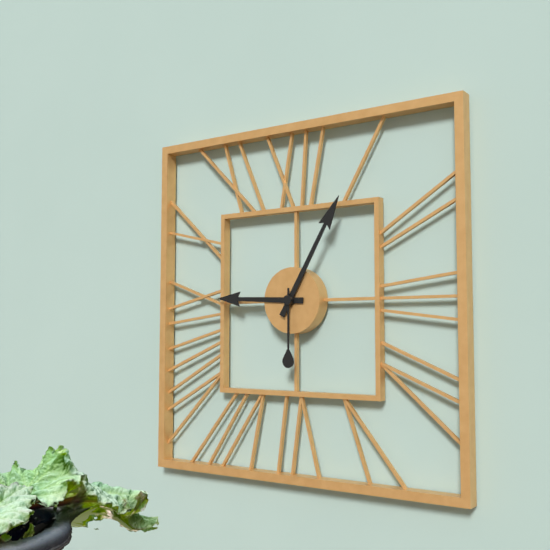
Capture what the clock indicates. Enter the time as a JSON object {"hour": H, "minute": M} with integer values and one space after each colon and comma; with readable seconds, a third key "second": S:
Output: {"hour": 9, "minute": 5, "second": 30}
